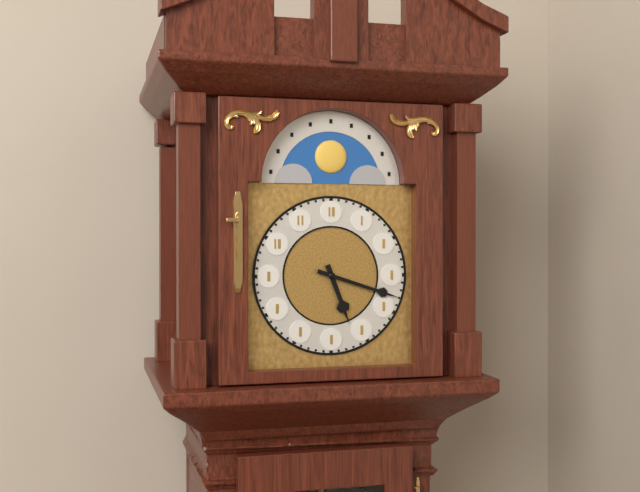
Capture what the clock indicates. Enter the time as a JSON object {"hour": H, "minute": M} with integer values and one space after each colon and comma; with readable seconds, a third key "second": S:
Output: {"hour": 5, "minute": 18}
